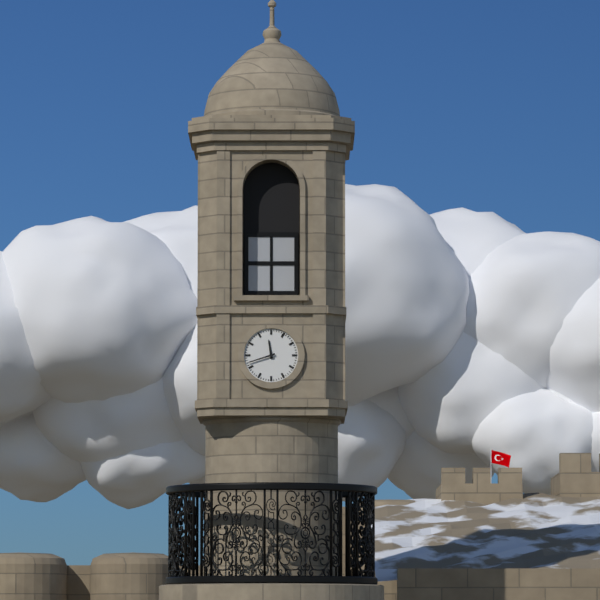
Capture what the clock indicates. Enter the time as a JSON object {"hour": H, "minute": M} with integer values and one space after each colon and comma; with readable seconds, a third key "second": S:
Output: {"hour": 11, "minute": 42}
